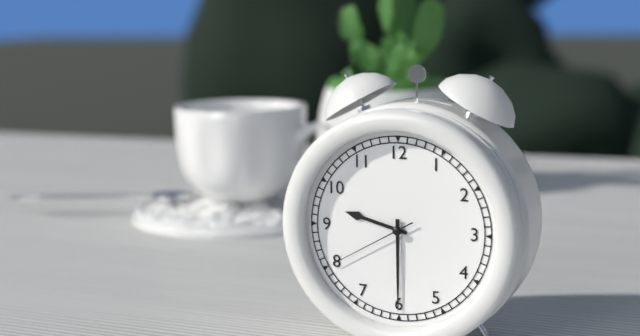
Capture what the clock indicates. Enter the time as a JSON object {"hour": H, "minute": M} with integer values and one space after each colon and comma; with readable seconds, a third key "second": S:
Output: {"hour": 9, "minute": 30, "second": 40}
